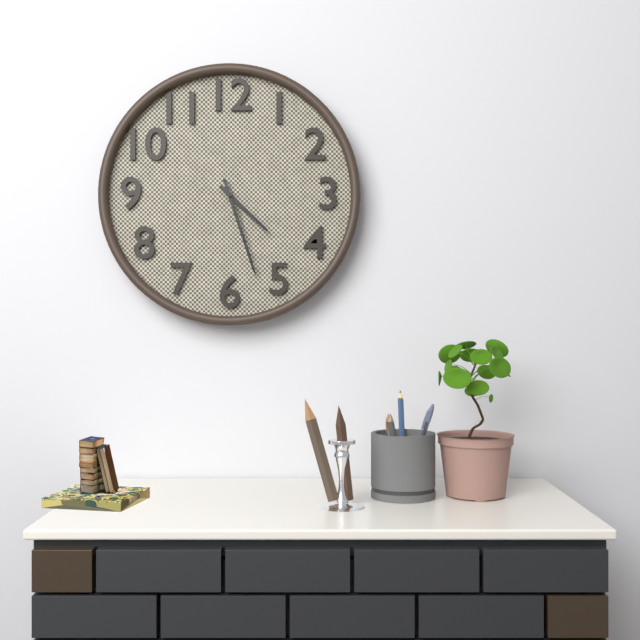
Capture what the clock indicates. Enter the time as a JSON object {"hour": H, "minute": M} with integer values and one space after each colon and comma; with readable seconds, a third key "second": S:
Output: {"hour": 4, "minute": 27}
